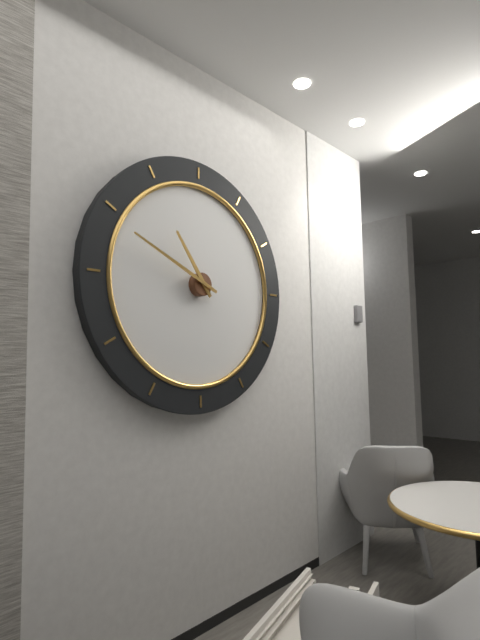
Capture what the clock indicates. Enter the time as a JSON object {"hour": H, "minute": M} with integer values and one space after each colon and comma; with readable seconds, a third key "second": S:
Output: {"hour": 10, "minute": 49}
